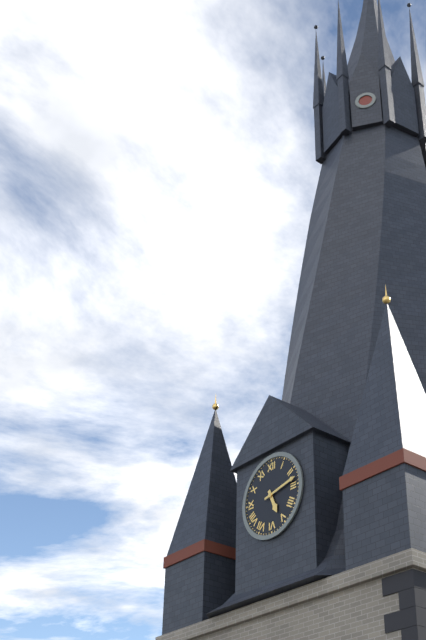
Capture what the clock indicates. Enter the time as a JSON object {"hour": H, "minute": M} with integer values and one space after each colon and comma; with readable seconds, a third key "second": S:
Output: {"hour": 5, "minute": 13}
